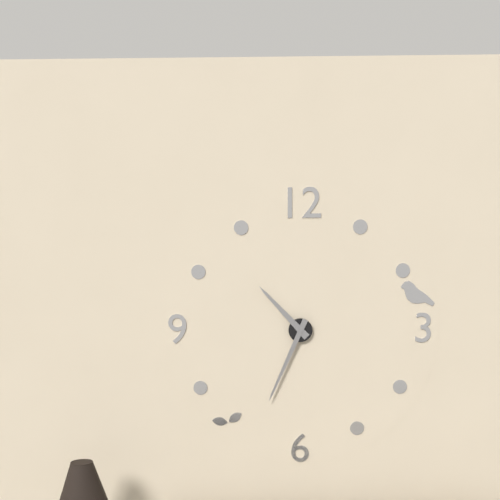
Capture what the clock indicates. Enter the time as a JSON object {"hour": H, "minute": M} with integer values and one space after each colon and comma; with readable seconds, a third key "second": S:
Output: {"hour": 10, "minute": 34}
